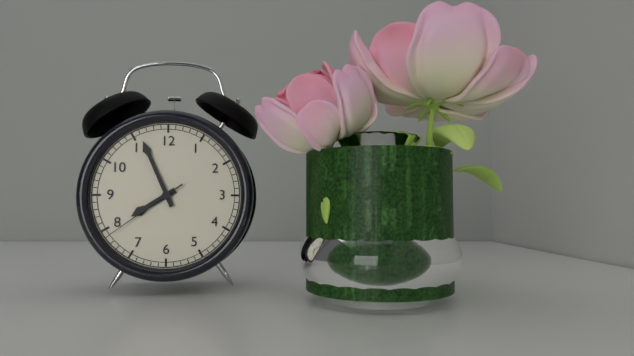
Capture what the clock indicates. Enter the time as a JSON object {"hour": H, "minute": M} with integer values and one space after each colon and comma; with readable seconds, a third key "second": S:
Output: {"hour": 7, "minute": 56, "second": 39}
